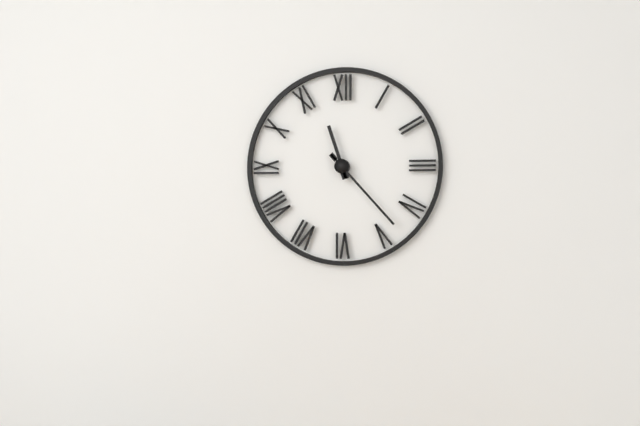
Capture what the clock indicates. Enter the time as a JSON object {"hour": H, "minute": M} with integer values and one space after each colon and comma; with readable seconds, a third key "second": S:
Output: {"hour": 11, "minute": 23}
